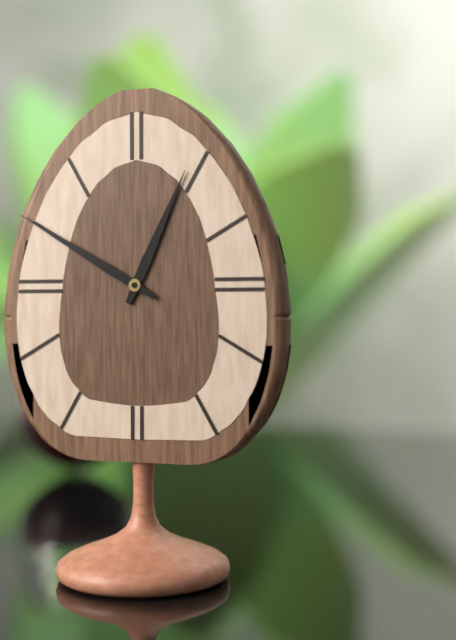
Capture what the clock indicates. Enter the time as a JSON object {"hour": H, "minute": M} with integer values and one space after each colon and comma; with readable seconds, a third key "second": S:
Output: {"hour": 12, "minute": 50}
